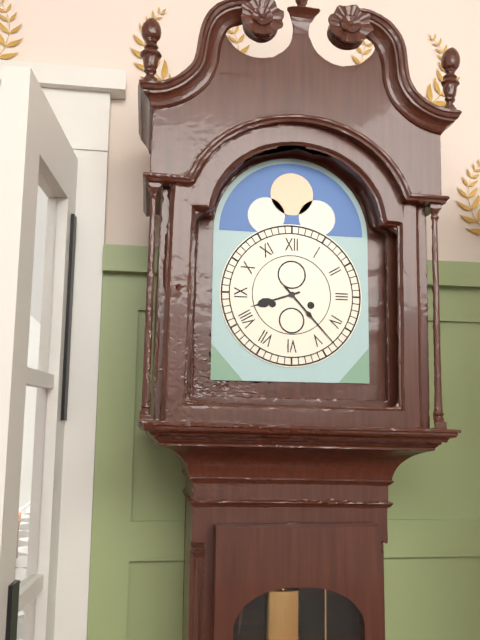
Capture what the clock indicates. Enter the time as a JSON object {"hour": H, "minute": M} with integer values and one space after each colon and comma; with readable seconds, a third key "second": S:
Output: {"hour": 8, "minute": 23}
